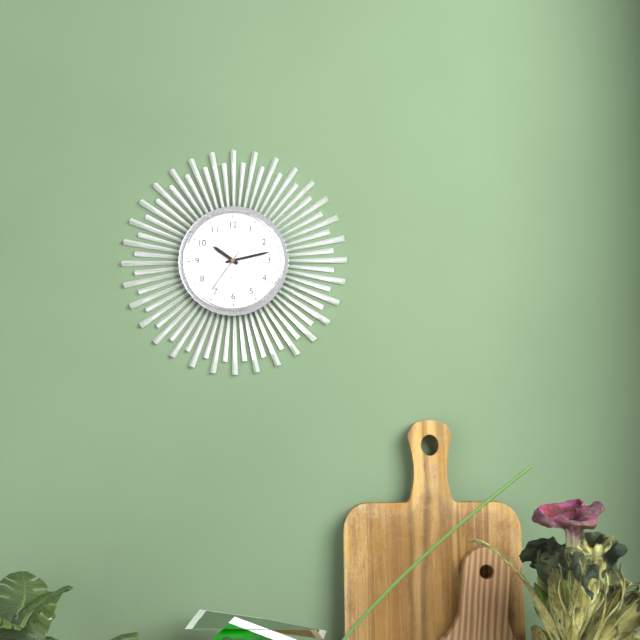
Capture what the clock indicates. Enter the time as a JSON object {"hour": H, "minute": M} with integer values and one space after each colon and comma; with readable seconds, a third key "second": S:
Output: {"hour": 10, "minute": 13, "second": 36}
